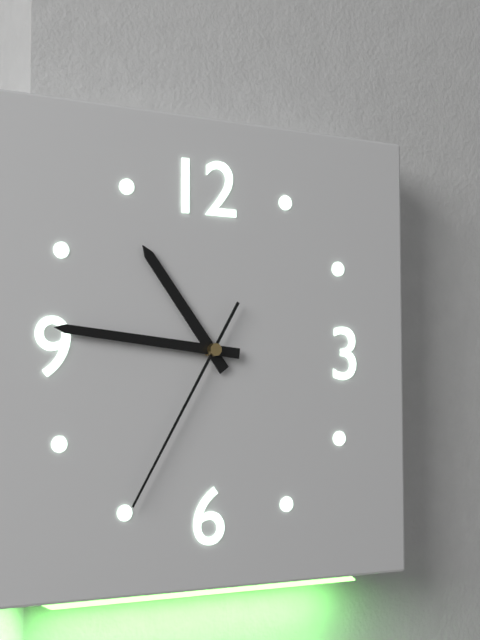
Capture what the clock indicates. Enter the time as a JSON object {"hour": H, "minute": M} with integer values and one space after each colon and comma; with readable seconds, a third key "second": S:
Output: {"hour": 10, "minute": 46, "second": 35}
